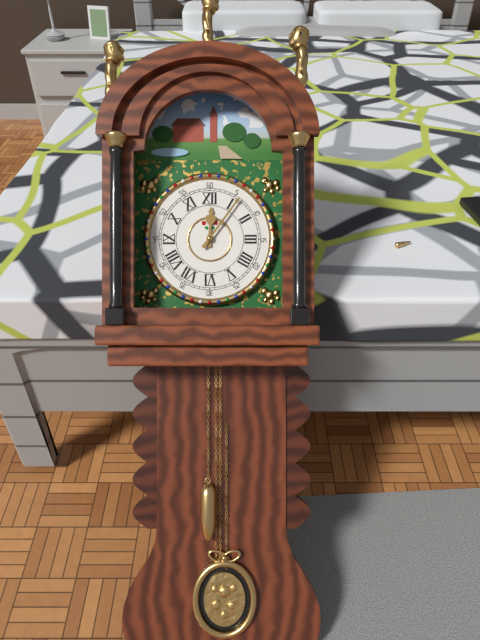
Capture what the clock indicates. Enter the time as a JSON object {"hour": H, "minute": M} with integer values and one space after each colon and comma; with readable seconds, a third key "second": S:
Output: {"hour": 12, "minute": 6}
